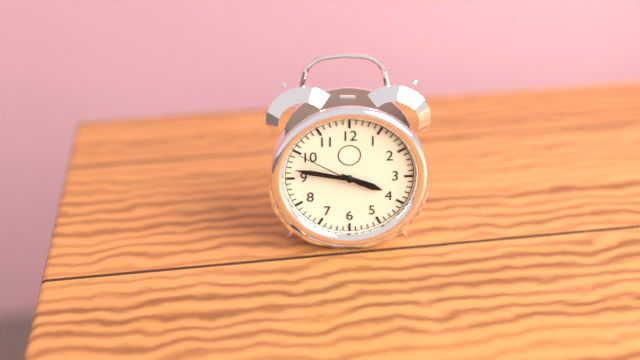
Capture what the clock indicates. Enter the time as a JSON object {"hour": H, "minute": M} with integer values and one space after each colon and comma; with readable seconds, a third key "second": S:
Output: {"hour": 3, "minute": 47, "second": 50}
